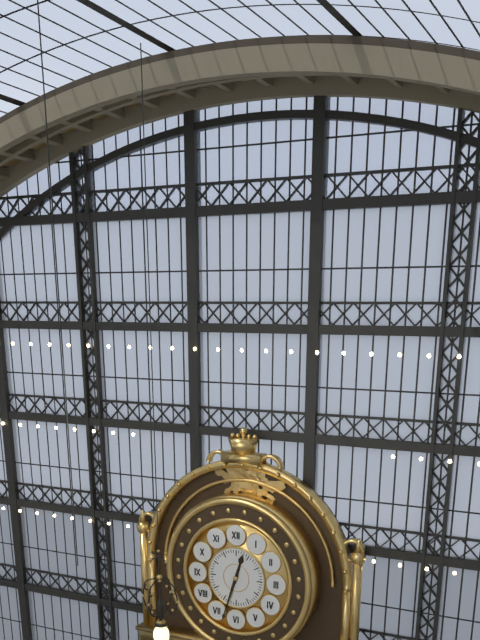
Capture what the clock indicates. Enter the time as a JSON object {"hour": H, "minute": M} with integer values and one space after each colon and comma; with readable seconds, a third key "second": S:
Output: {"hour": 12, "minute": 33}
